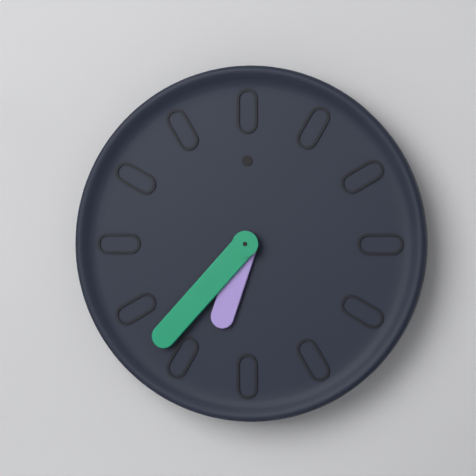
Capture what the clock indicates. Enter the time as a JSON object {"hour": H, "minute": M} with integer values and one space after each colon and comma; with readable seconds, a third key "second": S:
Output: {"hour": 6, "minute": 37}
